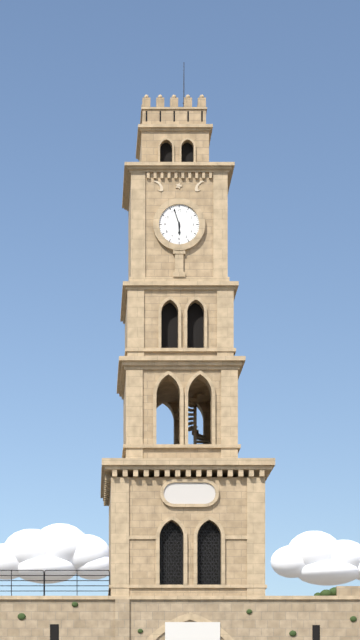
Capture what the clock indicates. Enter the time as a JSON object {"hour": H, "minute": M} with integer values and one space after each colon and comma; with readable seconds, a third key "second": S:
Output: {"hour": 5, "minute": 57}
